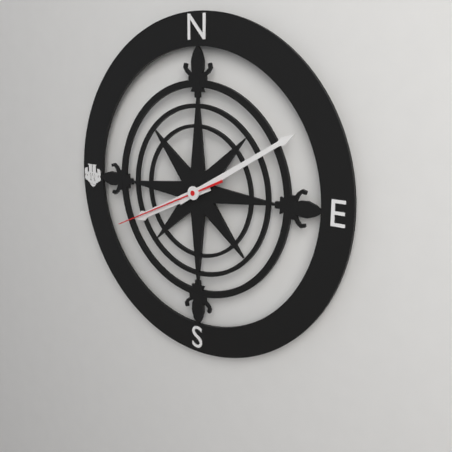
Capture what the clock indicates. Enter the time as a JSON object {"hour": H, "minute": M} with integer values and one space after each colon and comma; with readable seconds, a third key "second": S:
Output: {"hour": 8, "minute": 10, "second": 41}
